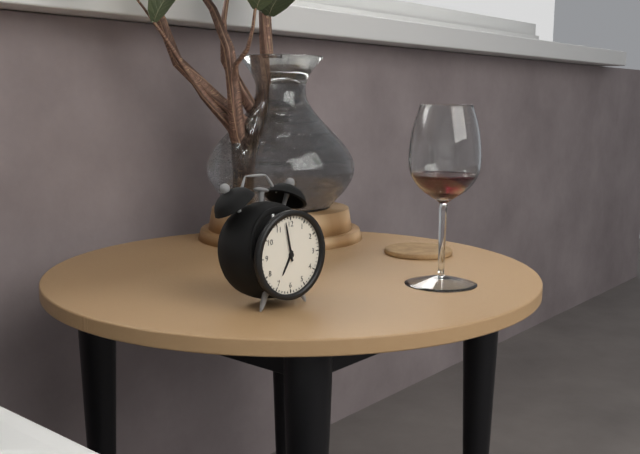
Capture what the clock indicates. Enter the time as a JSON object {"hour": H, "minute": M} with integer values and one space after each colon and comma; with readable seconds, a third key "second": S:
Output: {"hour": 6, "minute": 58}
